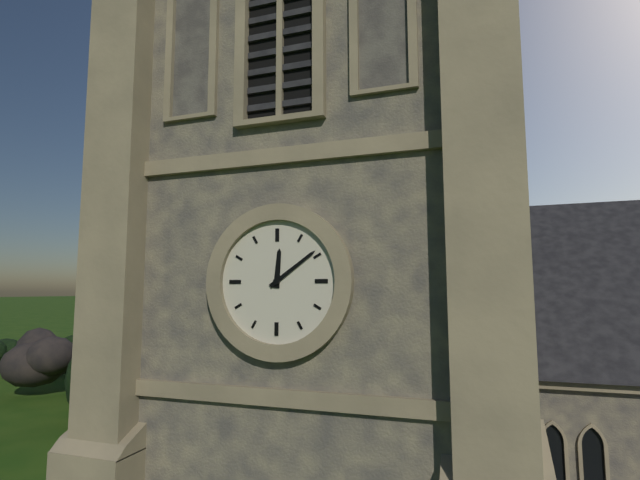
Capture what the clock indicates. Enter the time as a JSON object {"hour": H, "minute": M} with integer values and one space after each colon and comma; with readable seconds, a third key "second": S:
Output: {"hour": 12, "minute": 9}
